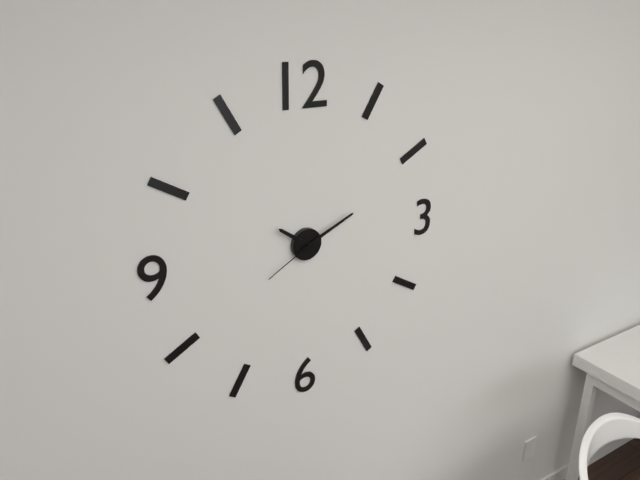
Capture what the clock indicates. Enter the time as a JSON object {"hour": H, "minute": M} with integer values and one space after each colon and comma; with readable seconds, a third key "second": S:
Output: {"hour": 10, "minute": 11, "second": 40}
